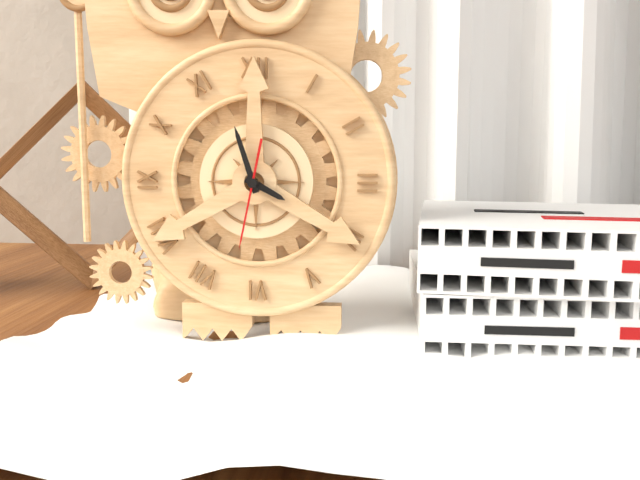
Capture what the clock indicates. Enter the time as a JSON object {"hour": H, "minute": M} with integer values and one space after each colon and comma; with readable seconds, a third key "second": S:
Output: {"hour": 3, "minute": 57, "second": 32}
